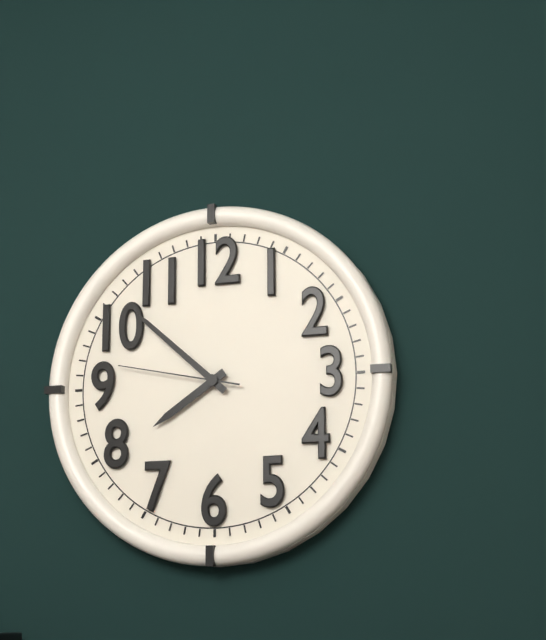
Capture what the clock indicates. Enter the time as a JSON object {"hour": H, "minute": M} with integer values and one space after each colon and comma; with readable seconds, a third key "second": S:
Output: {"hour": 7, "minute": 52, "second": 47}
